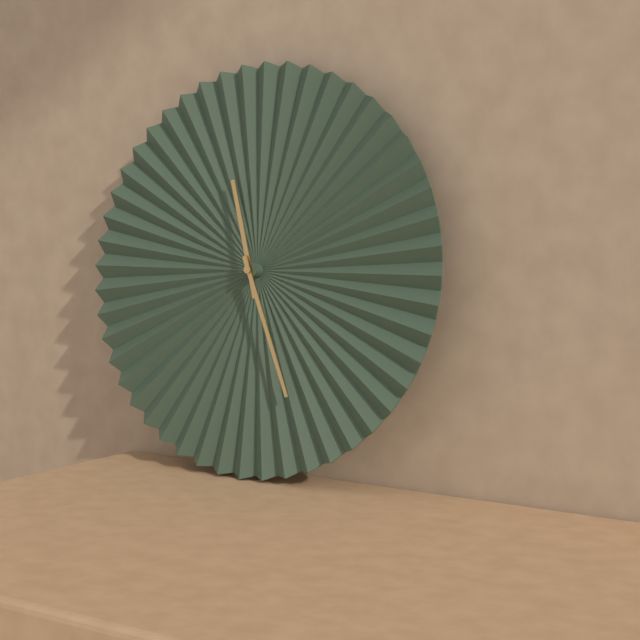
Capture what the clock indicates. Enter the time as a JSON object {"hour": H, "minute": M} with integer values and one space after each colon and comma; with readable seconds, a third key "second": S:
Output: {"hour": 11, "minute": 26}
